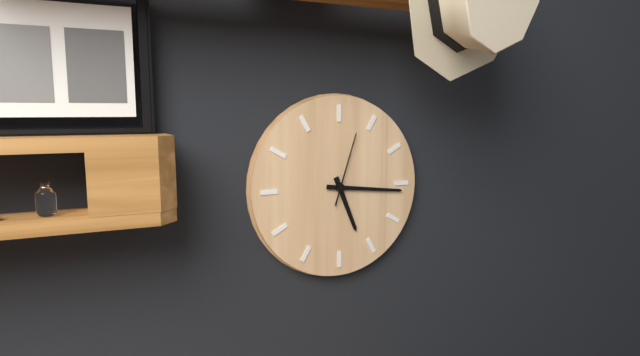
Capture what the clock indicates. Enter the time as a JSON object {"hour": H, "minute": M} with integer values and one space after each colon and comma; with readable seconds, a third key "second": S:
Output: {"hour": 5, "minute": 16, "second": 3}
